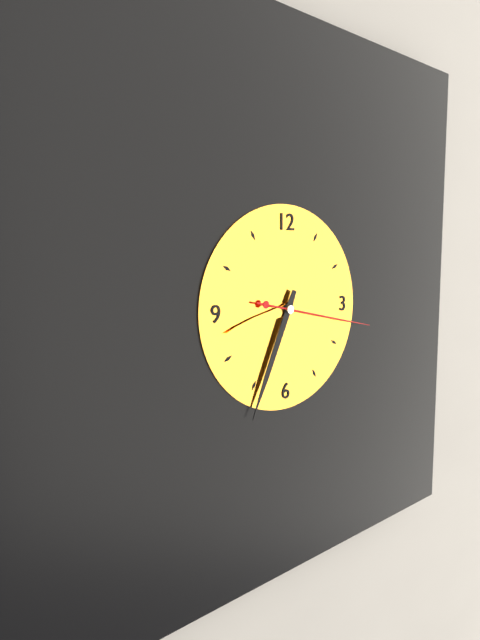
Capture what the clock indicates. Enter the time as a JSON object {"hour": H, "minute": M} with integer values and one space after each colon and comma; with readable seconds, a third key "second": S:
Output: {"hour": 8, "minute": 34, "second": 17}
